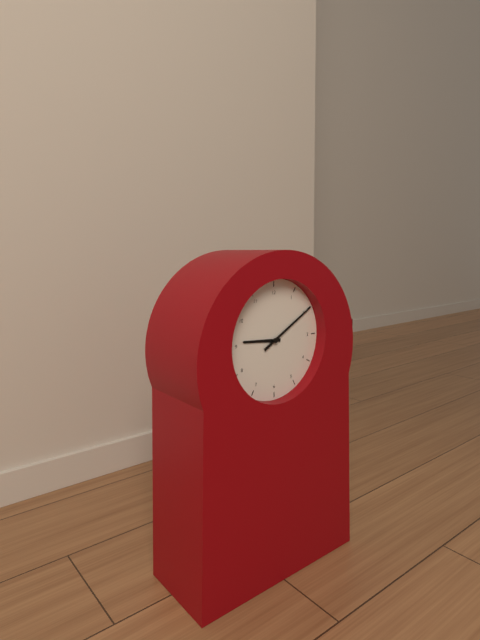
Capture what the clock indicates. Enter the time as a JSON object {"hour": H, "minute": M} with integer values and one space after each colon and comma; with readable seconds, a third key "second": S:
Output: {"hour": 9, "minute": 10}
